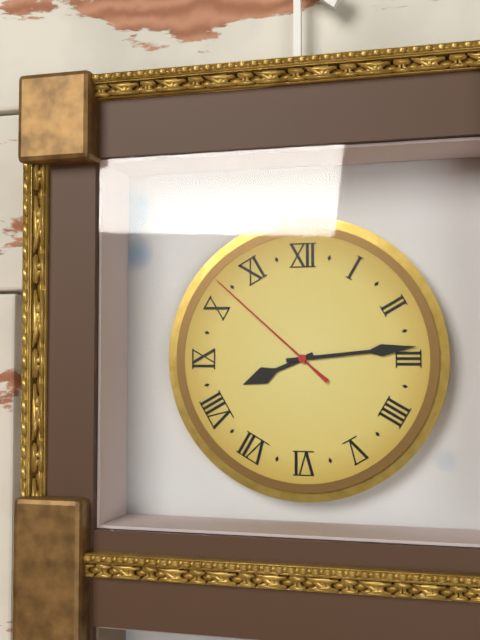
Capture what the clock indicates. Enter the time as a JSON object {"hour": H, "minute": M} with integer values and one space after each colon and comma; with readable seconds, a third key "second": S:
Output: {"hour": 8, "minute": 14, "second": 52}
